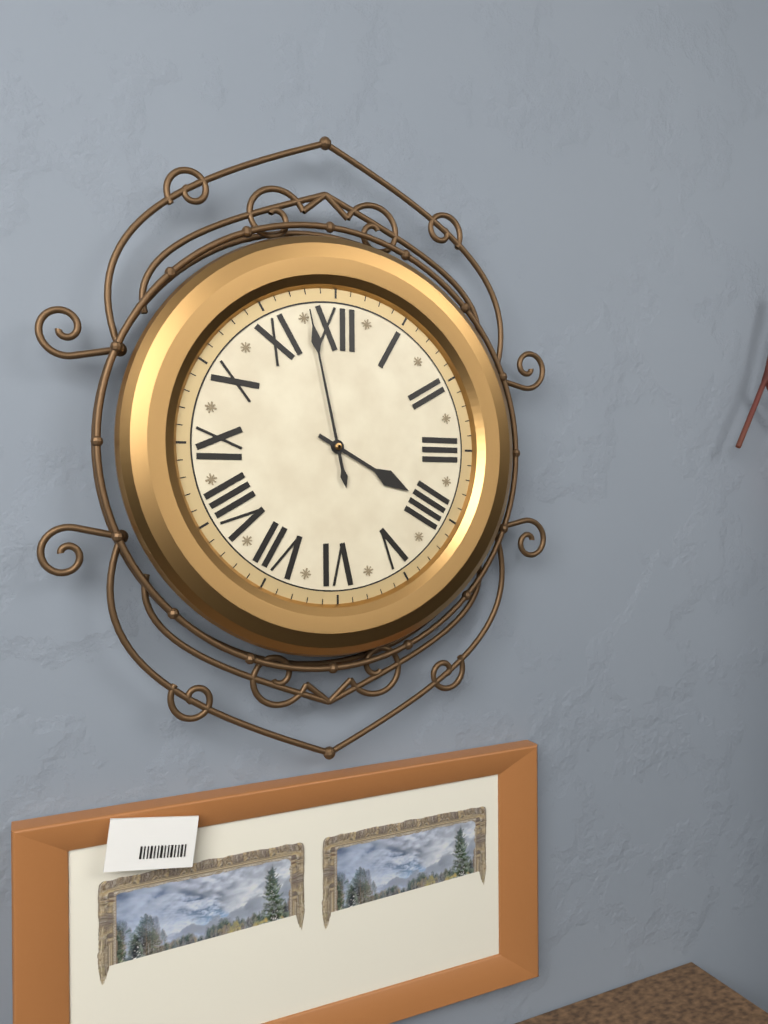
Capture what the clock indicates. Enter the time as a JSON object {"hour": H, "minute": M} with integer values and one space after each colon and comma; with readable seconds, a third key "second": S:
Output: {"hour": 3, "minute": 58}
